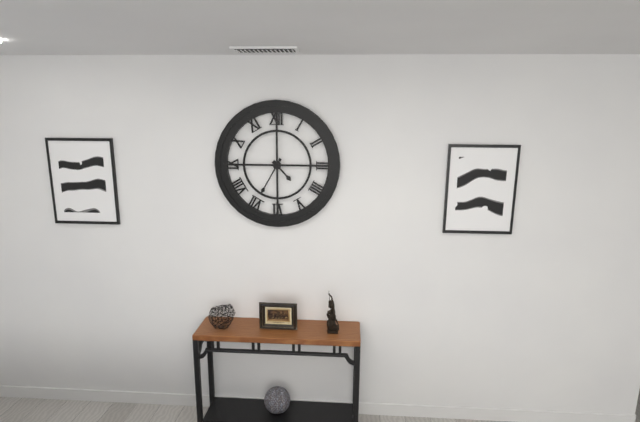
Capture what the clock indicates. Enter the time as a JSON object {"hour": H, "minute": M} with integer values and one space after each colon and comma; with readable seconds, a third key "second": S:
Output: {"hour": 4, "minute": 35}
